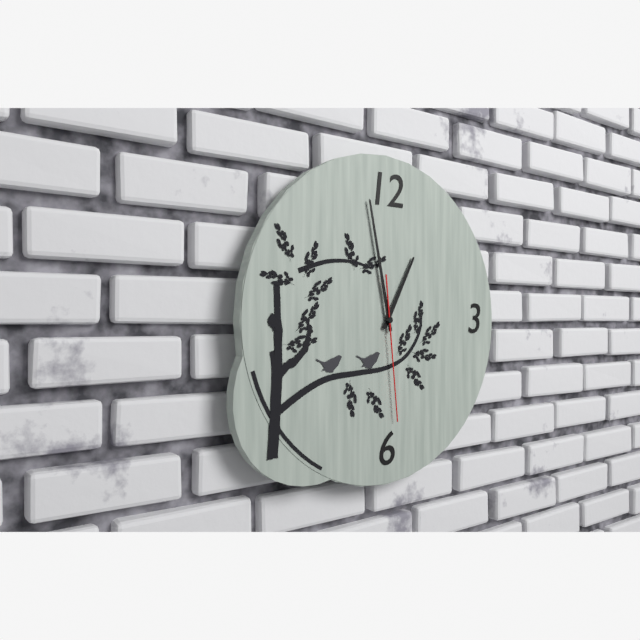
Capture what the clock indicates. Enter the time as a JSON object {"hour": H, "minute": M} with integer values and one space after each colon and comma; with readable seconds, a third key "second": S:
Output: {"hour": 12, "minute": 58, "second": 29}
